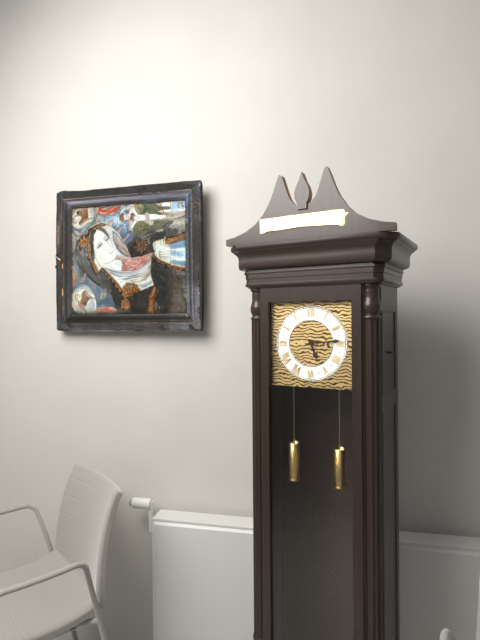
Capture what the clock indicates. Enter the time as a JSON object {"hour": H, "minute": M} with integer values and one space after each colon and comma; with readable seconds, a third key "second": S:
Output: {"hour": 5, "minute": 14}
